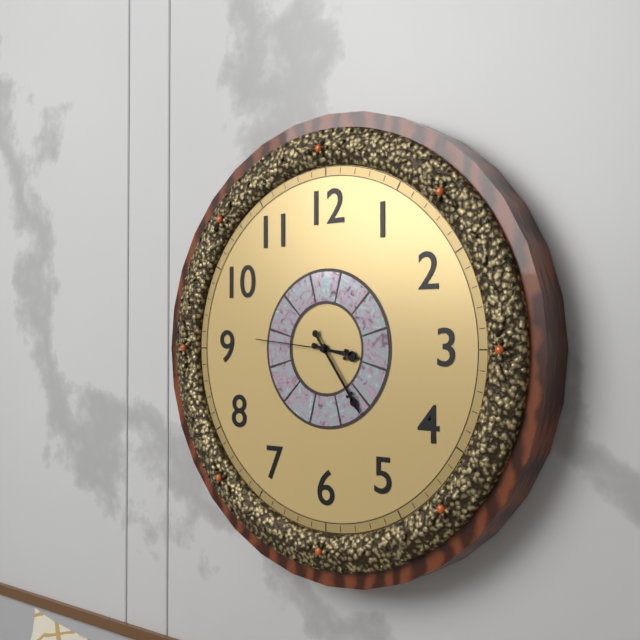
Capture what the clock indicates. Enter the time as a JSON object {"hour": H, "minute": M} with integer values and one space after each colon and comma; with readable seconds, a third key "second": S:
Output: {"hour": 3, "minute": 24, "second": 46}
